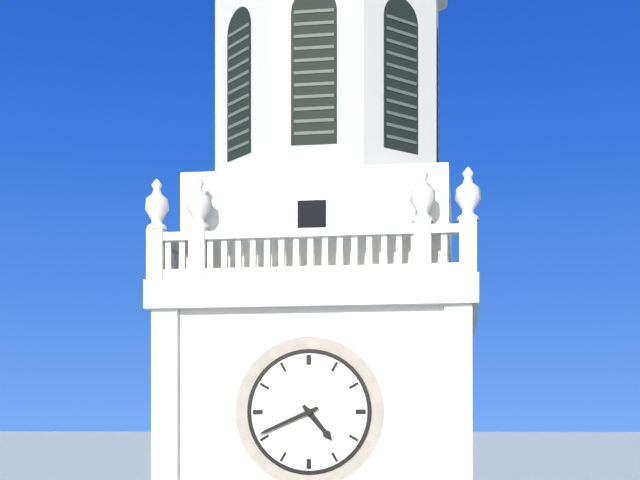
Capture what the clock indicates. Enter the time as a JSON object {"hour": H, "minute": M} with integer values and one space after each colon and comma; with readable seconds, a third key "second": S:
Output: {"hour": 4, "minute": 41}
